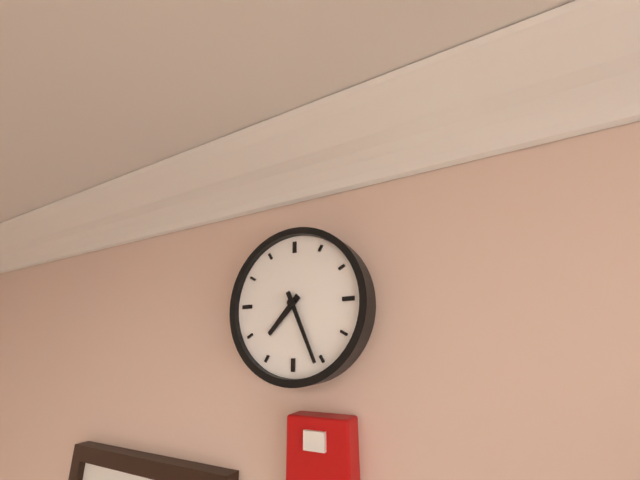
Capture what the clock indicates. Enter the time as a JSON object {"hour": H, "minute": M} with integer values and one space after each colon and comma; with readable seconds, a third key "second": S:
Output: {"hour": 7, "minute": 26}
